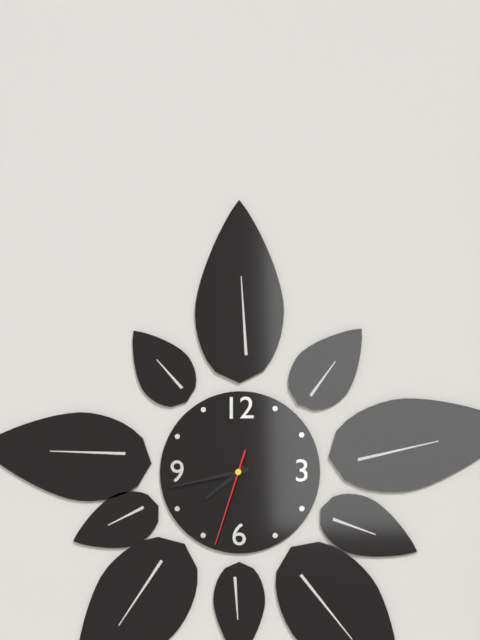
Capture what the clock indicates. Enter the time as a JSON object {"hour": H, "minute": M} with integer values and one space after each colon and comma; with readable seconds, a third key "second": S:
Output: {"hour": 7, "minute": 43, "second": 33}
